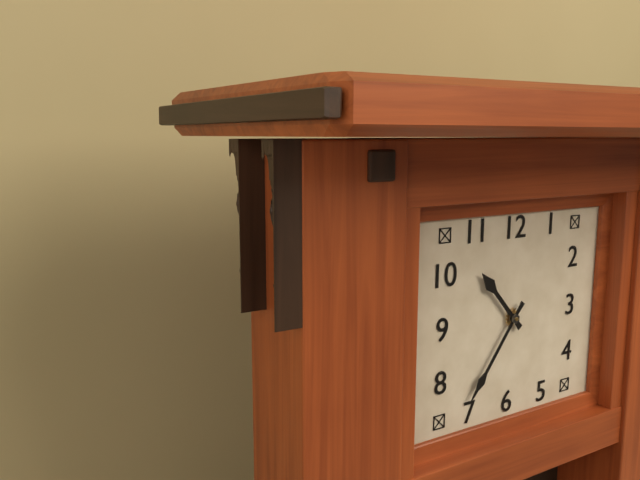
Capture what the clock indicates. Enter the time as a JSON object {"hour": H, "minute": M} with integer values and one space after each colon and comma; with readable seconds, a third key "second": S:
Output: {"hour": 10, "minute": 36}
